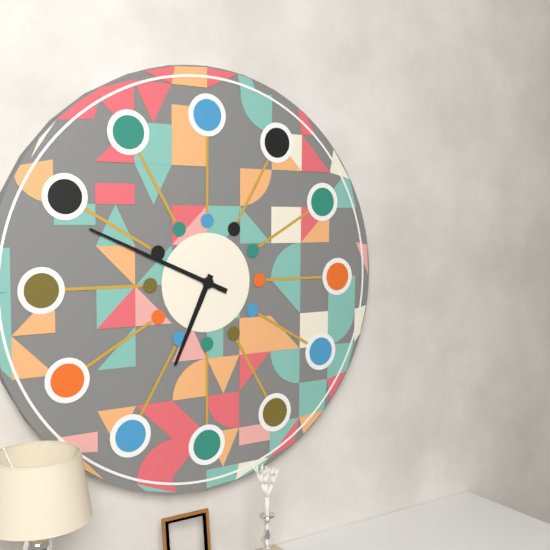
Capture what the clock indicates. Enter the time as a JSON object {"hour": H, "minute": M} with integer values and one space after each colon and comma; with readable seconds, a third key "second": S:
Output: {"hour": 6, "minute": 49}
